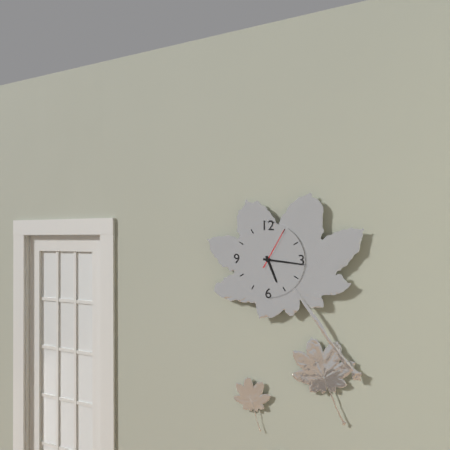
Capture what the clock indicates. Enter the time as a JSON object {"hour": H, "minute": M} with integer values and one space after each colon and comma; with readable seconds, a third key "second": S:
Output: {"hour": 5, "minute": 16}
